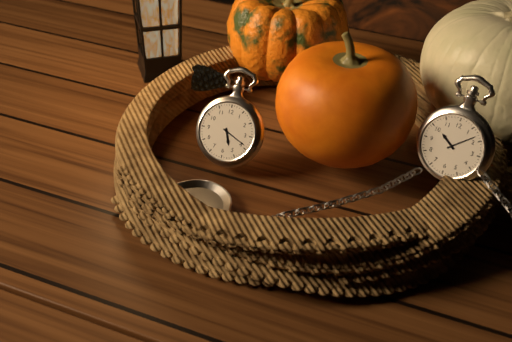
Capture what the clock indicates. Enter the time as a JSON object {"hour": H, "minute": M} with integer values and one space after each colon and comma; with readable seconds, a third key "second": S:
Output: {"hour": 5, "minute": 19}
